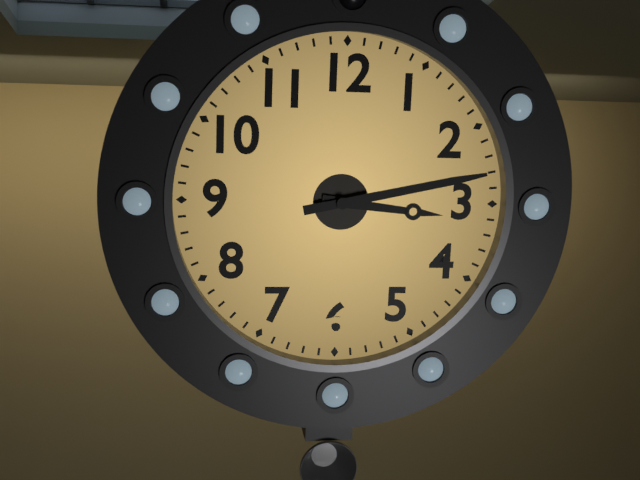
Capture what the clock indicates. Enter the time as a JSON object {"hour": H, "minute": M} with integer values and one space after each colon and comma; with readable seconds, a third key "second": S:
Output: {"hour": 3, "minute": 13}
